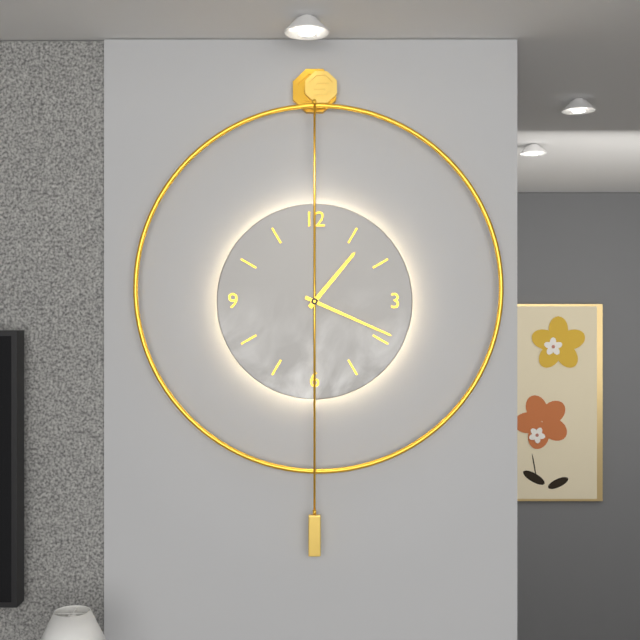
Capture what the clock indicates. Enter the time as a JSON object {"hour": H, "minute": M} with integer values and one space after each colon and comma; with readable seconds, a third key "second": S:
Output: {"hour": 1, "minute": 19}
